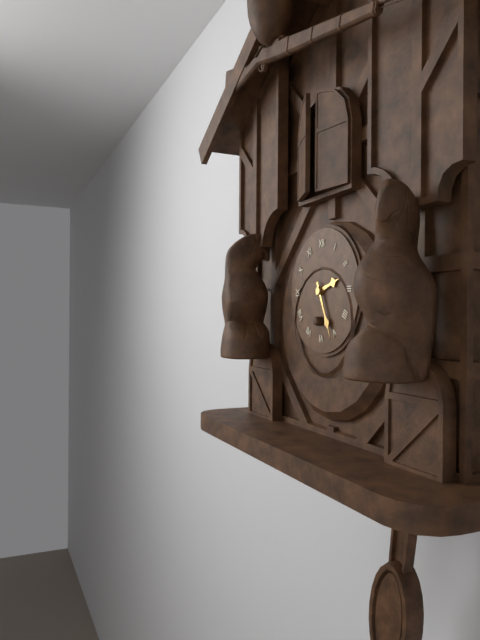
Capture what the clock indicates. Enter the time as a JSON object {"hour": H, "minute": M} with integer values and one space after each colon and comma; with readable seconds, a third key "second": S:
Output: {"hour": 2, "minute": 26}
